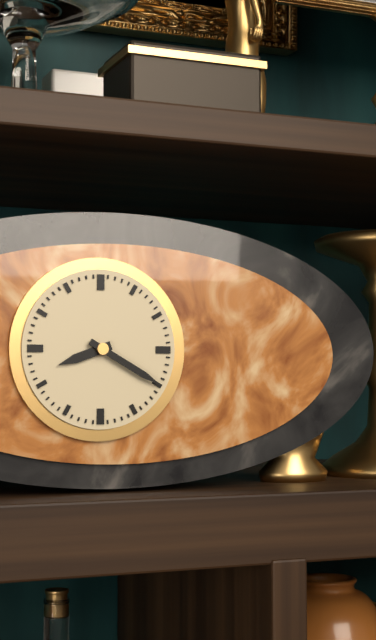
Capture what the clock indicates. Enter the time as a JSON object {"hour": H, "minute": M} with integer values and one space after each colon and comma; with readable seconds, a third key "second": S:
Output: {"hour": 8, "minute": 20}
